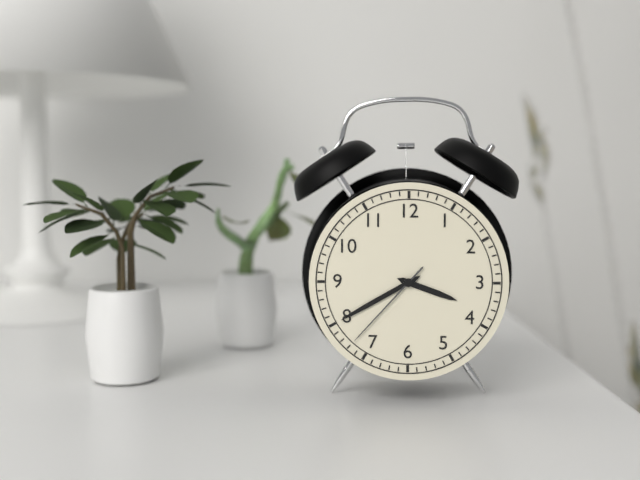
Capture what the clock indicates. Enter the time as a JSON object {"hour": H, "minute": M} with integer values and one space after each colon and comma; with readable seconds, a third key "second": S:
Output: {"hour": 3, "minute": 40, "second": 37}
